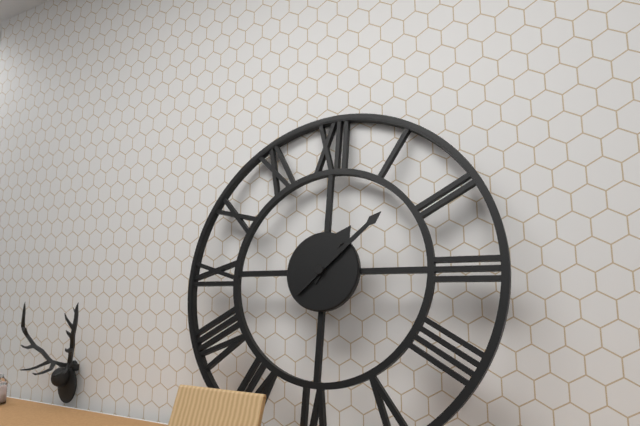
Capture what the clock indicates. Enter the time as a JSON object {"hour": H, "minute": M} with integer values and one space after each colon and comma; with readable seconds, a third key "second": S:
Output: {"hour": 1, "minute": 8}
